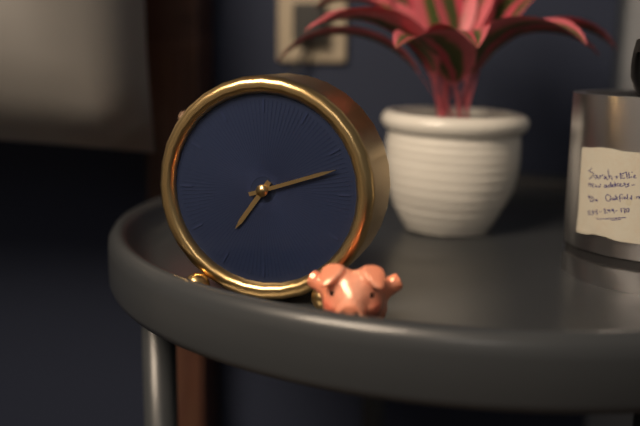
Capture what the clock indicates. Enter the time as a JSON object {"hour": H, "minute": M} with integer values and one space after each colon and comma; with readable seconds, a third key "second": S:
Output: {"hour": 7, "minute": 12}
